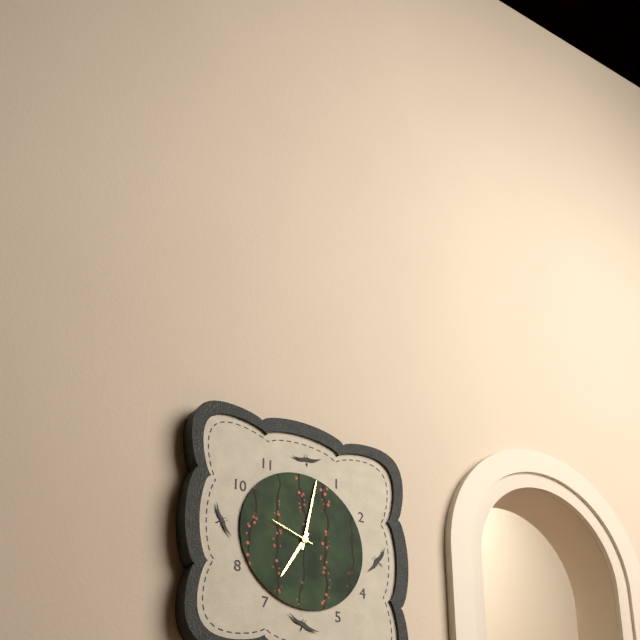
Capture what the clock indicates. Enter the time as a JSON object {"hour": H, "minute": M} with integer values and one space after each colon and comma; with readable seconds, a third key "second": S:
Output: {"hour": 7, "minute": 2}
